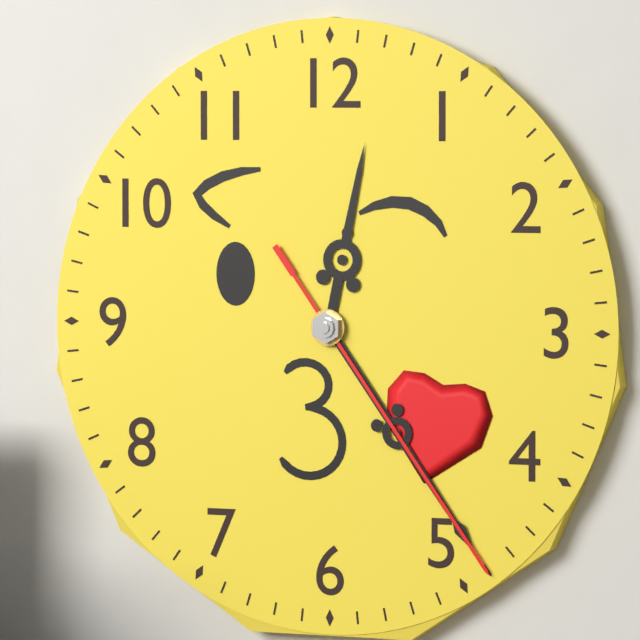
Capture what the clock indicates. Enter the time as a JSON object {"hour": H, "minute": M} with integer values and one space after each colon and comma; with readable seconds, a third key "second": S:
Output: {"hour": 12, "minute": 24, "second": 24}
